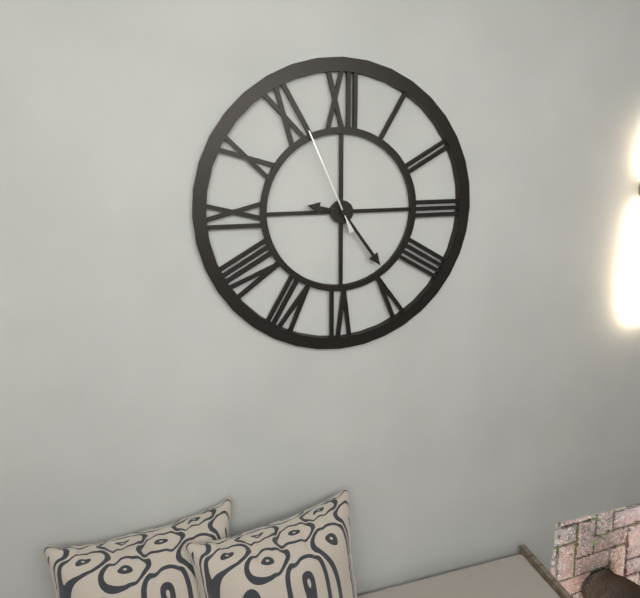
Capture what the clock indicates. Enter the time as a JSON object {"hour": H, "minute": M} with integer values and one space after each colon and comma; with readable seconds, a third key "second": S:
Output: {"hour": 9, "minute": 24, "second": 56}
